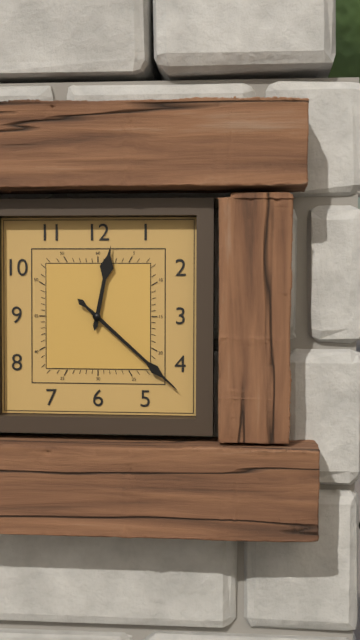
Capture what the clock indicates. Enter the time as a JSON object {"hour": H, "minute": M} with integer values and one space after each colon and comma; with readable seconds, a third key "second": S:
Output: {"hour": 12, "minute": 22}
